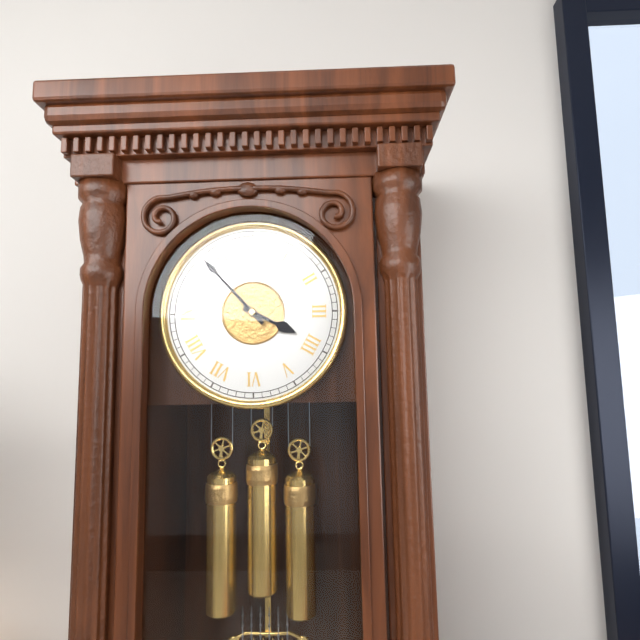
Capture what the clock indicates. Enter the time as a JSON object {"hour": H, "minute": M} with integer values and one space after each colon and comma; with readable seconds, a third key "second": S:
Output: {"hour": 3, "minute": 53}
